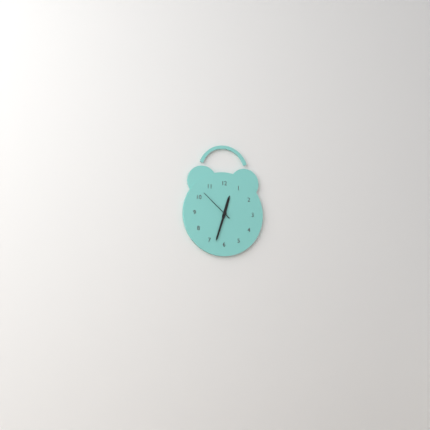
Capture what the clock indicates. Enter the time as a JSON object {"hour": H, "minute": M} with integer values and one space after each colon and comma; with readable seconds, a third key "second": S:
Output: {"hour": 12, "minute": 33}
